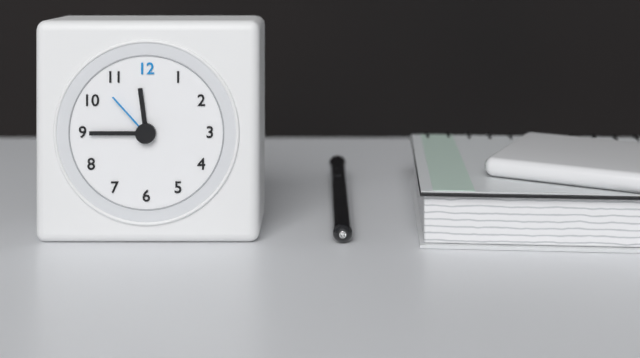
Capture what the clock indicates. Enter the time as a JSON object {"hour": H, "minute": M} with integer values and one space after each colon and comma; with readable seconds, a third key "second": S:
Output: {"hour": 11, "minute": 45, "second": 53}
